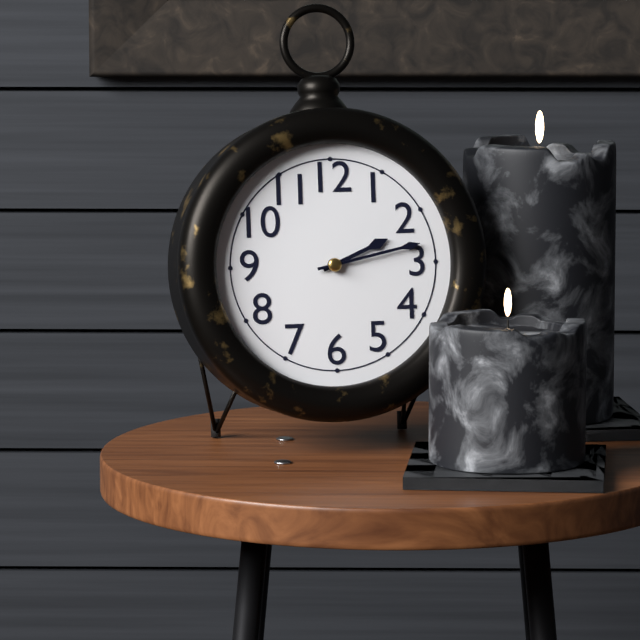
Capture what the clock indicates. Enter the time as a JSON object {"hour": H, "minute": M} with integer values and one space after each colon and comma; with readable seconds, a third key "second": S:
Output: {"hour": 2, "minute": 13}
